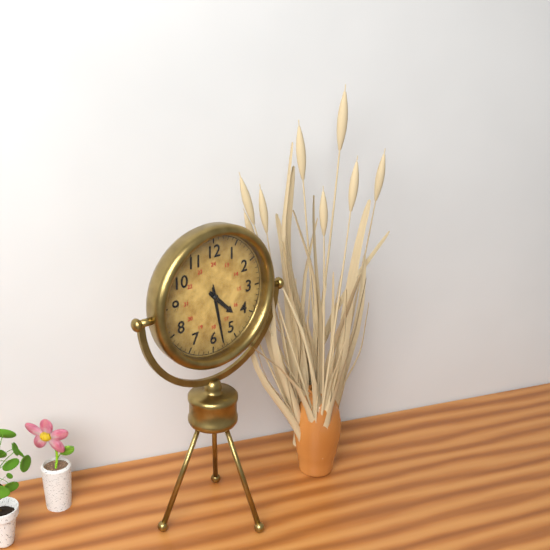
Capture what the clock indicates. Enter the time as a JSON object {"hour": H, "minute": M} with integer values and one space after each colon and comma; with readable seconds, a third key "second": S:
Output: {"hour": 4, "minute": 28, "second": 28}
